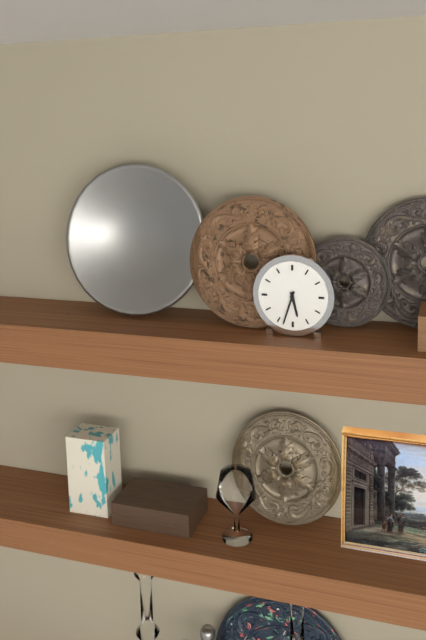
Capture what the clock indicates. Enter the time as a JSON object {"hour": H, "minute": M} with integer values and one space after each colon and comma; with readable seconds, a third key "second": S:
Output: {"hour": 5, "minute": 33}
